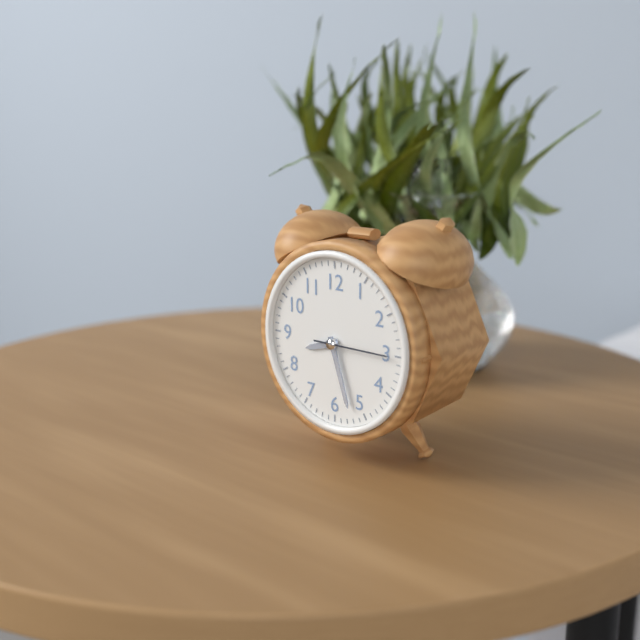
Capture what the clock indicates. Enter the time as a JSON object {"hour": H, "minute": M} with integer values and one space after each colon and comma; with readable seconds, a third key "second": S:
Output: {"hour": 8, "minute": 27, "second": 15}
